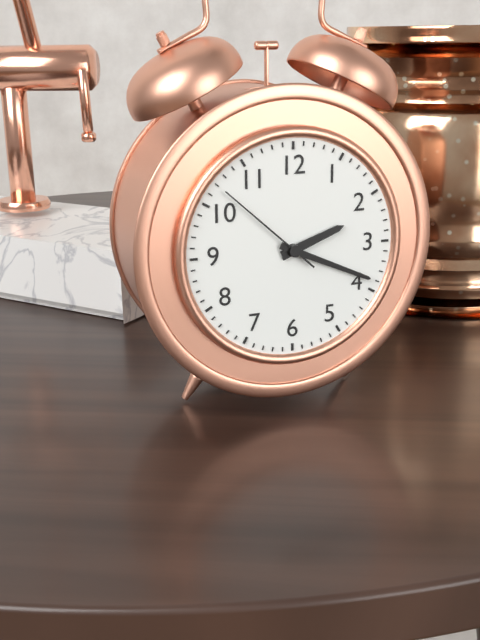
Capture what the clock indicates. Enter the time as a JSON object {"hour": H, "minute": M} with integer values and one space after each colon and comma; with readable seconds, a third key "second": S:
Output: {"hour": 2, "minute": 19, "second": 52}
